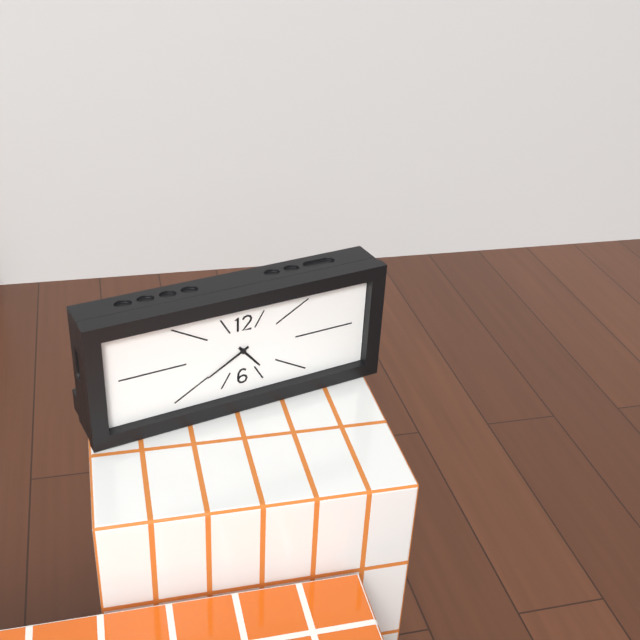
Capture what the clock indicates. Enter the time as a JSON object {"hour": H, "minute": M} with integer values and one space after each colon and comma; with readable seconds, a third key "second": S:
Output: {"hour": 4, "minute": 40}
